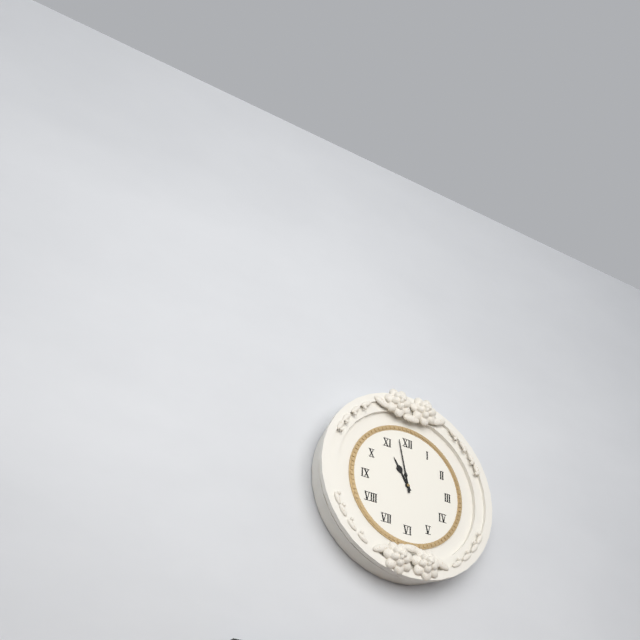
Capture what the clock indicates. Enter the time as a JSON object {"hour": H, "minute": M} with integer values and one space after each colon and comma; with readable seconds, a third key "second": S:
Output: {"hour": 10, "minute": 58}
